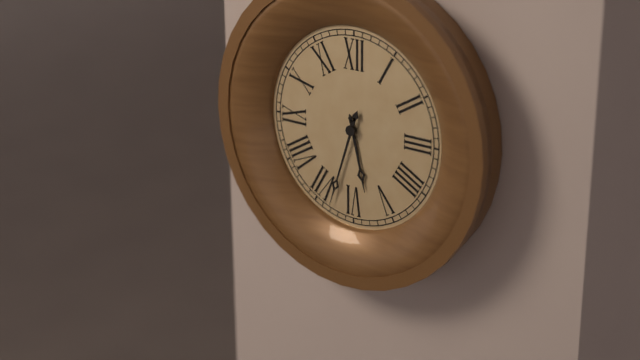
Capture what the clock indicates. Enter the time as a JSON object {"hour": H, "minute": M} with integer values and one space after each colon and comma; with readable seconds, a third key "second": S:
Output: {"hour": 5, "minute": 33}
